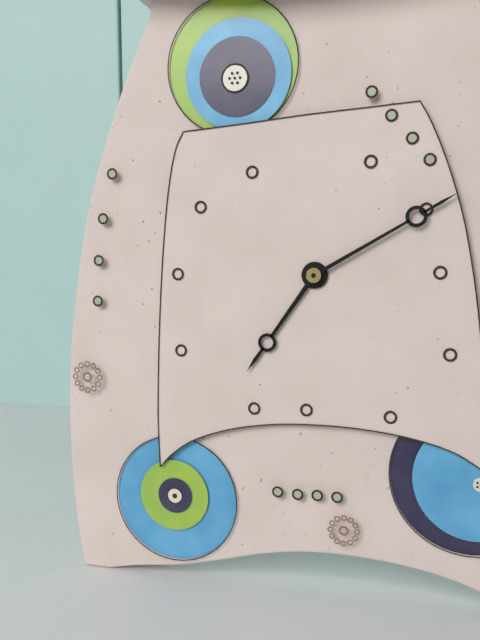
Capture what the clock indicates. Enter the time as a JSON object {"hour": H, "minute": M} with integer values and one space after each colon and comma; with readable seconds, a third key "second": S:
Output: {"hour": 7, "minute": 10}
